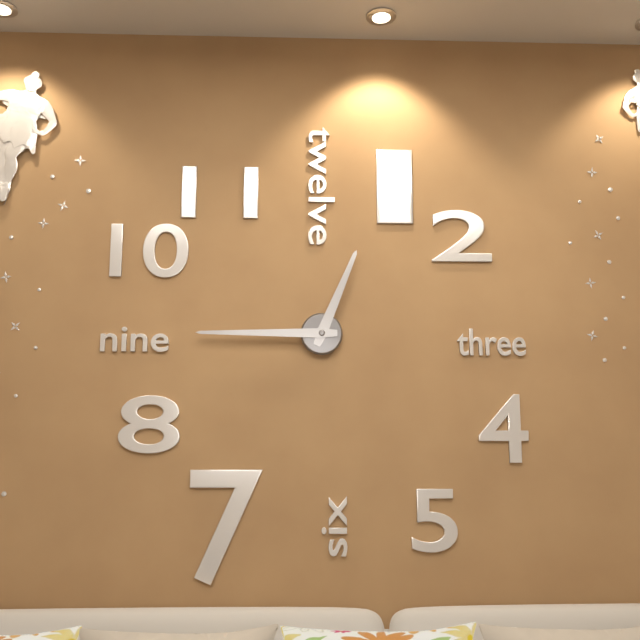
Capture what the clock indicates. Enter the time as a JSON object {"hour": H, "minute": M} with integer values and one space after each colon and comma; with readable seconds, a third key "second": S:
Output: {"hour": 12, "minute": 45}
